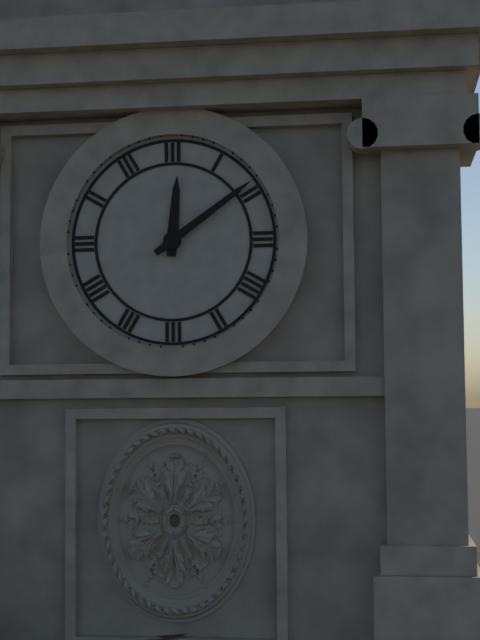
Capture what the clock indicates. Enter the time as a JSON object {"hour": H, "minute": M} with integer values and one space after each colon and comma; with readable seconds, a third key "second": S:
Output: {"hour": 12, "minute": 9}
